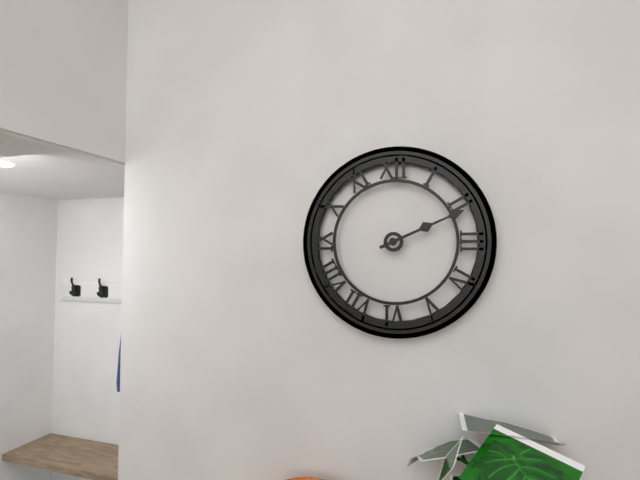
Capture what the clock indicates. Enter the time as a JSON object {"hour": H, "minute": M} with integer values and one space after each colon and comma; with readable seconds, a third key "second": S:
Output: {"hour": 2, "minute": 11}
